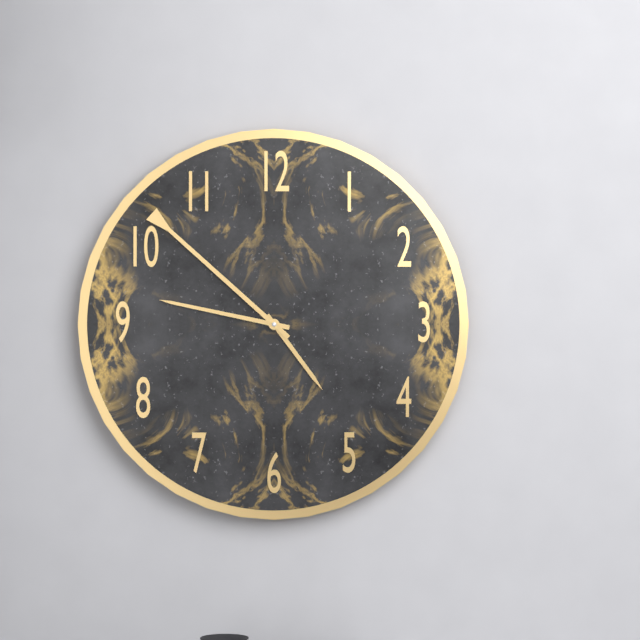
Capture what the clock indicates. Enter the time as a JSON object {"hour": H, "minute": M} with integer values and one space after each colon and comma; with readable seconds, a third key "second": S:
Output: {"hour": 4, "minute": 47, "second": 52}
